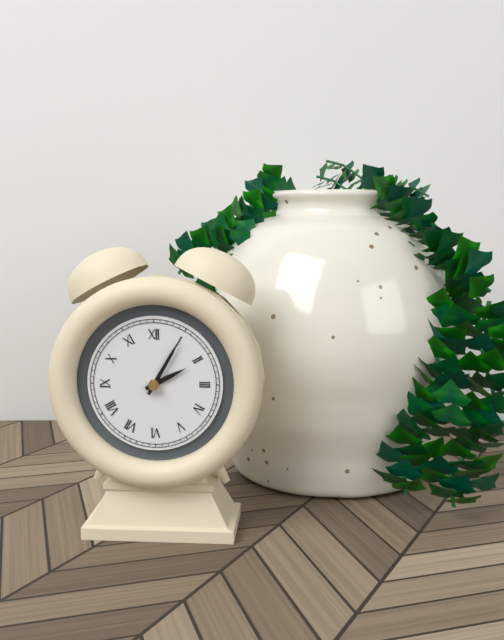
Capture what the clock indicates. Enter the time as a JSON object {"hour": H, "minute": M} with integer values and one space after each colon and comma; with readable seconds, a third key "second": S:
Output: {"hour": 2, "minute": 5}
